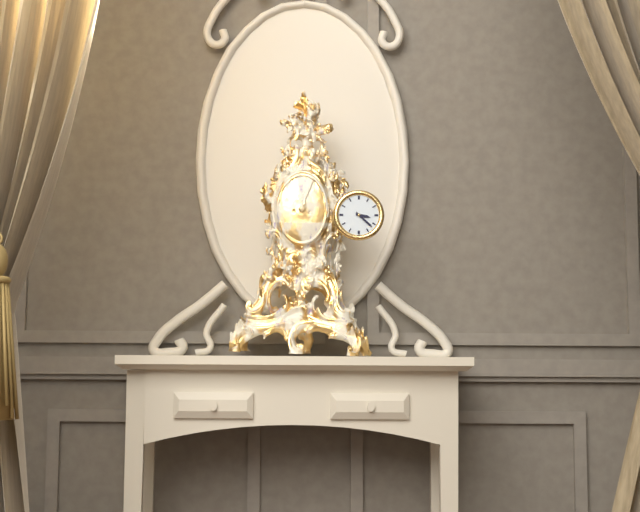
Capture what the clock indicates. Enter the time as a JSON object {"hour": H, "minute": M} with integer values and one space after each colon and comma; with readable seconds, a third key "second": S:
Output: {"hour": 3, "minute": 22}
